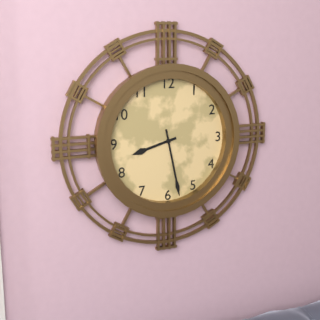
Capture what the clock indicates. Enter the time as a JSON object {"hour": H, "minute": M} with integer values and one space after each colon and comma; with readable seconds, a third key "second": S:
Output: {"hour": 8, "minute": 28}
